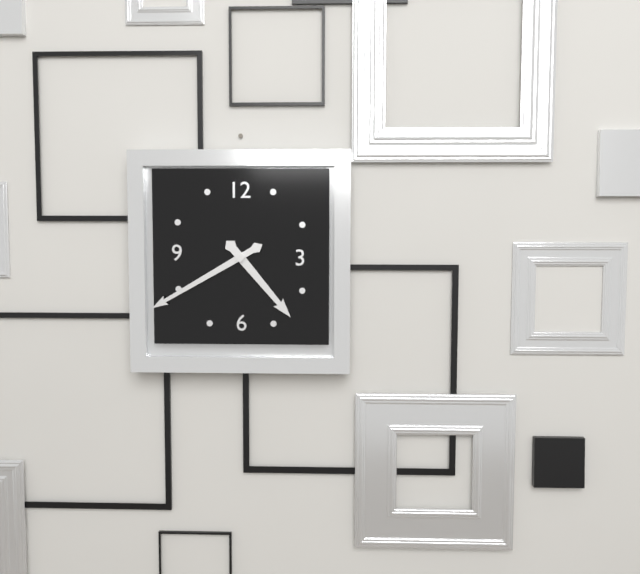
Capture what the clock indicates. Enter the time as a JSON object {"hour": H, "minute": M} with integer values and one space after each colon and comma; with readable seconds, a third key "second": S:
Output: {"hour": 4, "minute": 40}
